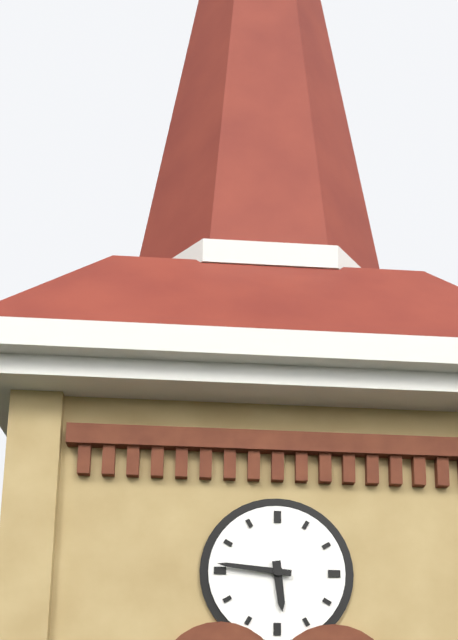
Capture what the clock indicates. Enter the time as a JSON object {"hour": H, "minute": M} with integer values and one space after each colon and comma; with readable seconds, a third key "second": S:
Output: {"hour": 5, "minute": 46}
